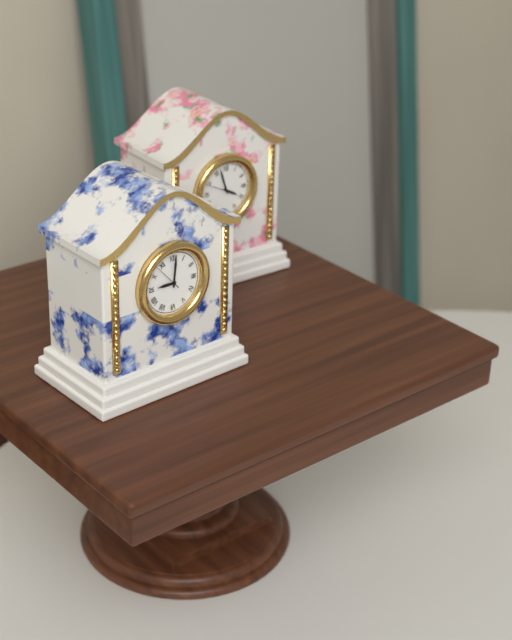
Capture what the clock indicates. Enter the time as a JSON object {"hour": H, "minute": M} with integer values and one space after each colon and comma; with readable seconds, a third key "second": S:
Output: {"hour": 9, "minute": 1}
